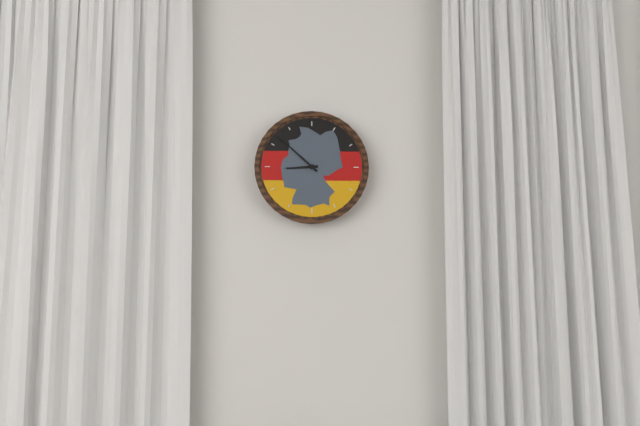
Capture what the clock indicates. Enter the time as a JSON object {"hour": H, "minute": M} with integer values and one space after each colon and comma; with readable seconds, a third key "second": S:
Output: {"hour": 8, "minute": 52}
